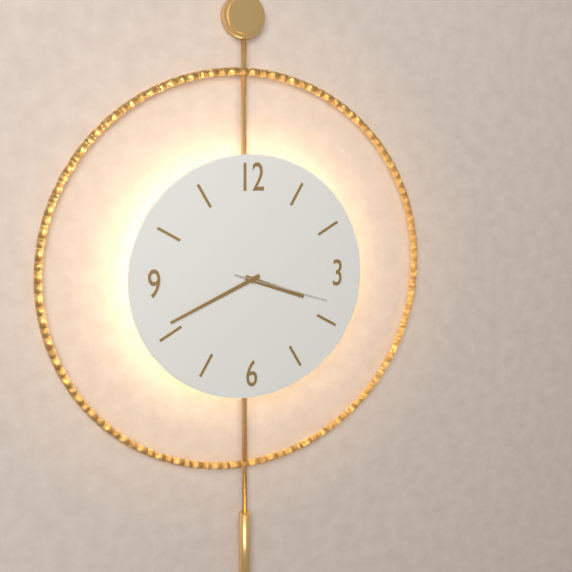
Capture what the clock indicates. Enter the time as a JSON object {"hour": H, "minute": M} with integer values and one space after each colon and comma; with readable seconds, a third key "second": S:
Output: {"hour": 3, "minute": 41, "second": 18}
